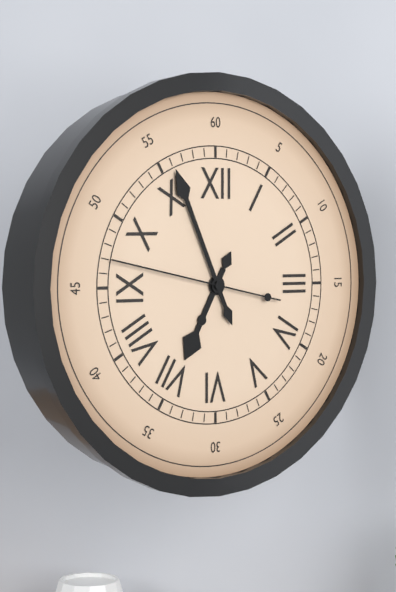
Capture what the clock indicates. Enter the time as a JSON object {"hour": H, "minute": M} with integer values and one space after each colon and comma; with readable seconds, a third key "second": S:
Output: {"hour": 6, "minute": 56, "second": 47}
